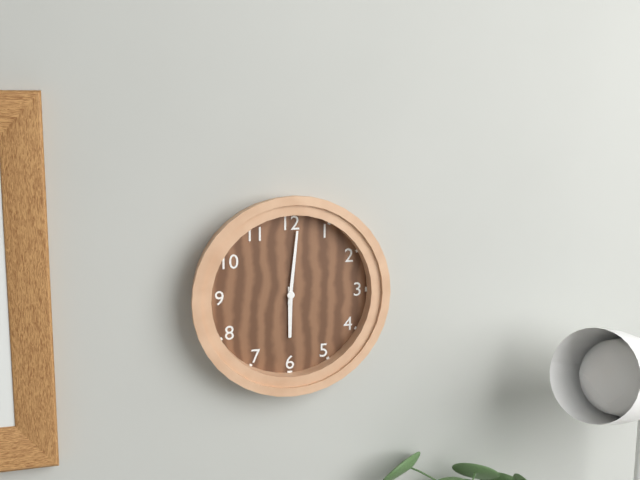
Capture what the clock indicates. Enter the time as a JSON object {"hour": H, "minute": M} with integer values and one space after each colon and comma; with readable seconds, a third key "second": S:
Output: {"hour": 6, "minute": 1}
